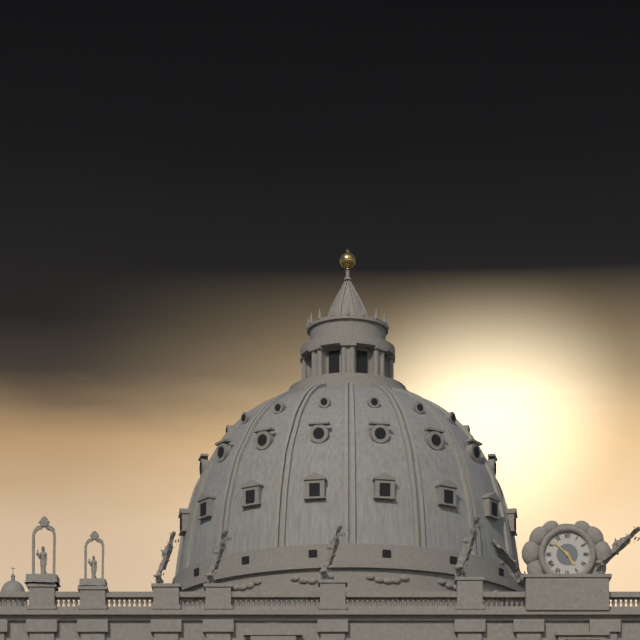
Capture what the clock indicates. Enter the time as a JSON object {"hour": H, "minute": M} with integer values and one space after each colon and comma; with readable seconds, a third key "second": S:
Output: {"hour": 4, "minute": 52}
